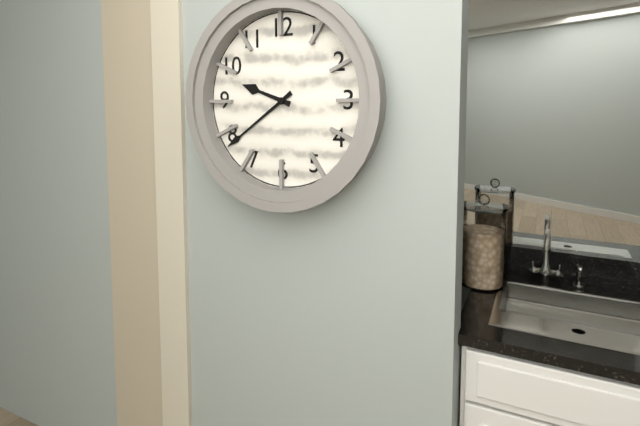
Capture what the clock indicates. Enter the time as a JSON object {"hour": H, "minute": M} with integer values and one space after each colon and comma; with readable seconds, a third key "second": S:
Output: {"hour": 9, "minute": 39}
